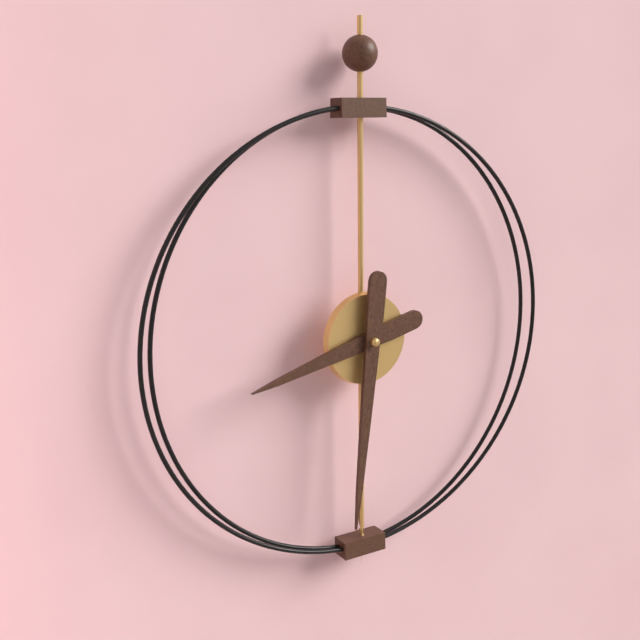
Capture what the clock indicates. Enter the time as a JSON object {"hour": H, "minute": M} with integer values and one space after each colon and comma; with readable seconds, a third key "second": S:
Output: {"hour": 8, "minute": 31}
